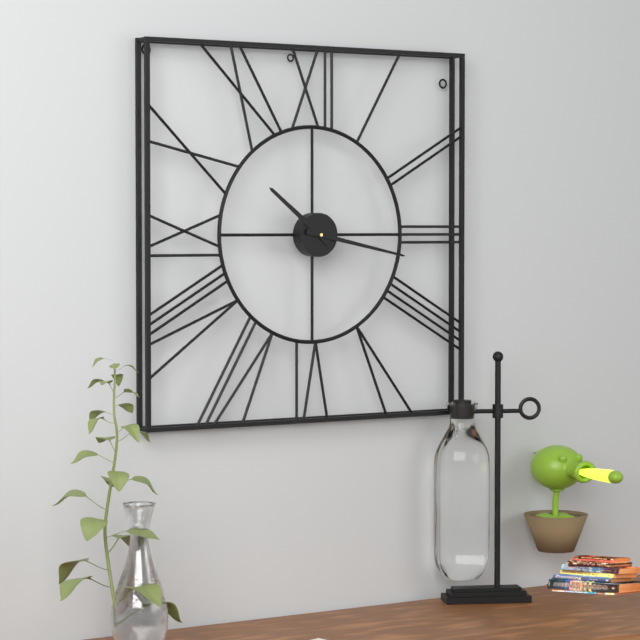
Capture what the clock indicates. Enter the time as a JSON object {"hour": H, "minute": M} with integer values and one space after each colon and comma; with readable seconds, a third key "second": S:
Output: {"hour": 10, "minute": 17}
